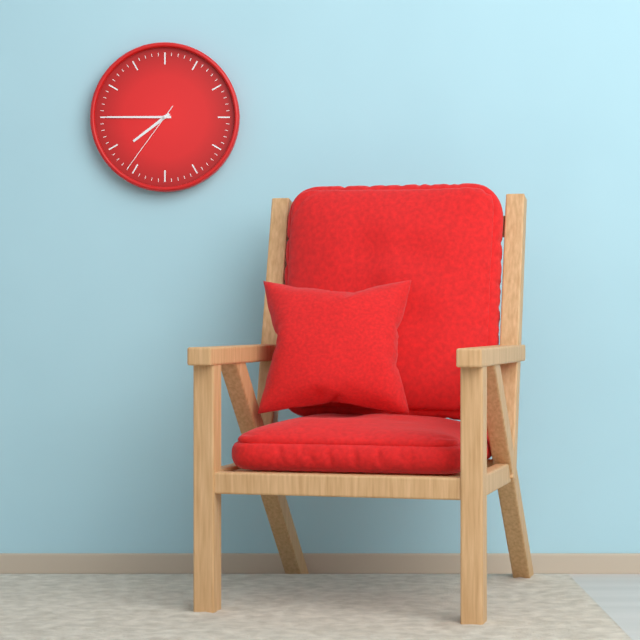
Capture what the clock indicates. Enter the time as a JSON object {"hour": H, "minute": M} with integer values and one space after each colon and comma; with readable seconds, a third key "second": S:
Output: {"hour": 7, "minute": 45, "second": 36}
